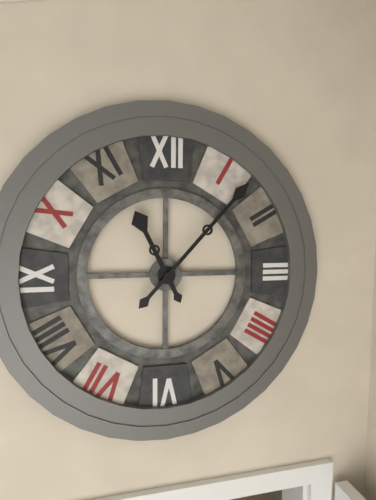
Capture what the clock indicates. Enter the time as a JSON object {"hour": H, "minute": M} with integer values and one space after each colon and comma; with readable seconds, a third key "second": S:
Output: {"hour": 11, "minute": 7}
